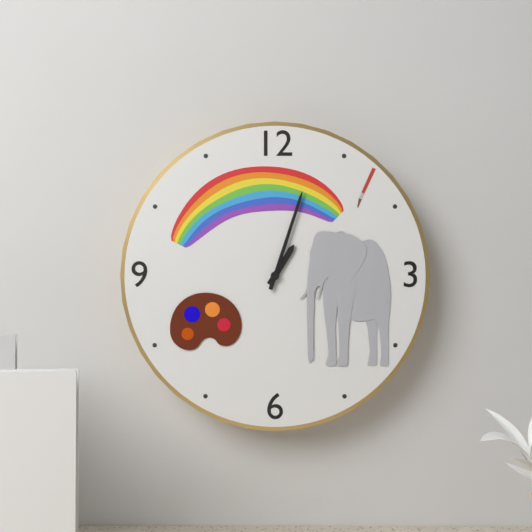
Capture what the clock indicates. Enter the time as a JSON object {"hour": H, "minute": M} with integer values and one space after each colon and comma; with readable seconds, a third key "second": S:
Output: {"hour": 1, "minute": 3}
